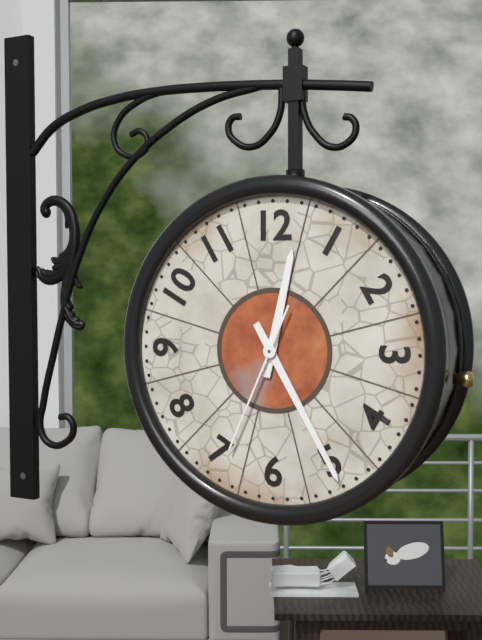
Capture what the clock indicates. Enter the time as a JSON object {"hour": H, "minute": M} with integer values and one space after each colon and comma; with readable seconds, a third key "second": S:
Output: {"hour": 12, "minute": 25, "second": 34}
